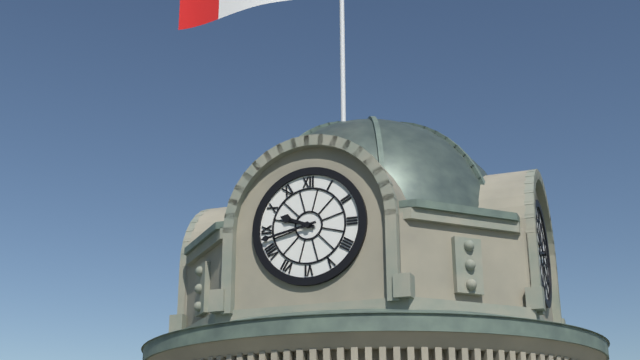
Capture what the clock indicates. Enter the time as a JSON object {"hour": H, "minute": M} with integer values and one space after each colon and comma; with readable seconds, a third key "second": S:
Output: {"hour": 9, "minute": 43}
